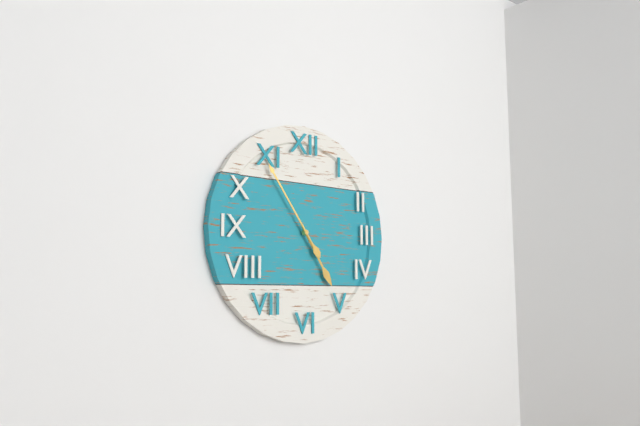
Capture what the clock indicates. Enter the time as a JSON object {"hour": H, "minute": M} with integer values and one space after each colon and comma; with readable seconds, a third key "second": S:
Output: {"hour": 4, "minute": 54}
